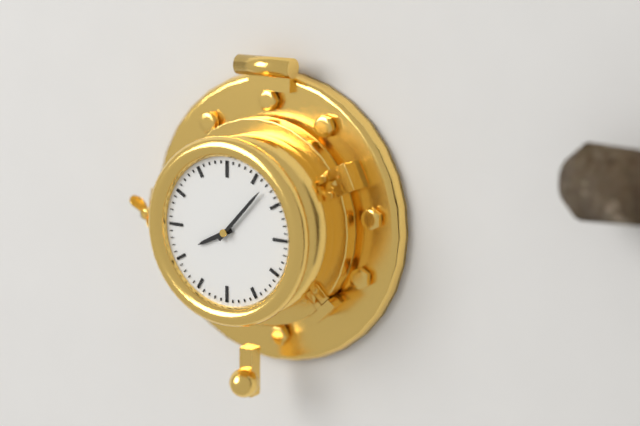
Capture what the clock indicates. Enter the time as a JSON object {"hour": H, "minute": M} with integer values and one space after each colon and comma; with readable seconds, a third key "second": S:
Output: {"hour": 8, "minute": 7}
